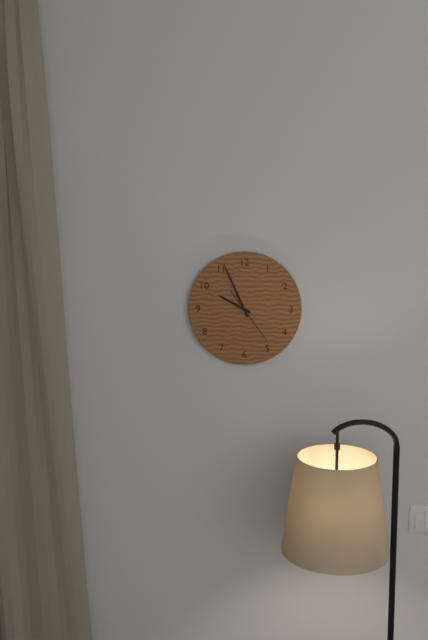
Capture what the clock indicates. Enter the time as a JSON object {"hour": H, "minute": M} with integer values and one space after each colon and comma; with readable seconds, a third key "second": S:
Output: {"hour": 9, "minute": 56, "second": 24}
